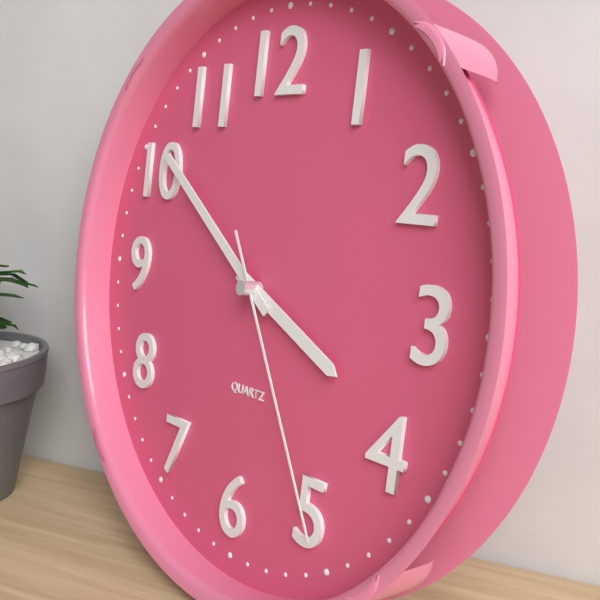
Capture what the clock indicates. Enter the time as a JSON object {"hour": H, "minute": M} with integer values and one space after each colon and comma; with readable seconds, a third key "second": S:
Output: {"hour": 3, "minute": 51, "second": 25}
